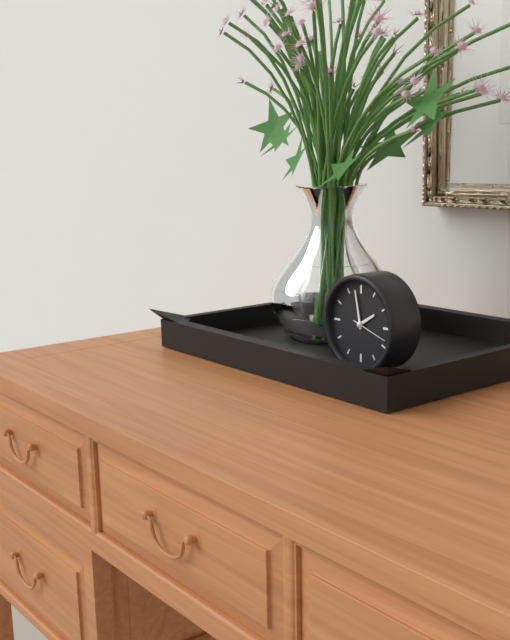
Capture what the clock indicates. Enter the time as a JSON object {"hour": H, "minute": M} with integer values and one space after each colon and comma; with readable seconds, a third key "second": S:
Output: {"hour": 1, "minute": 58}
